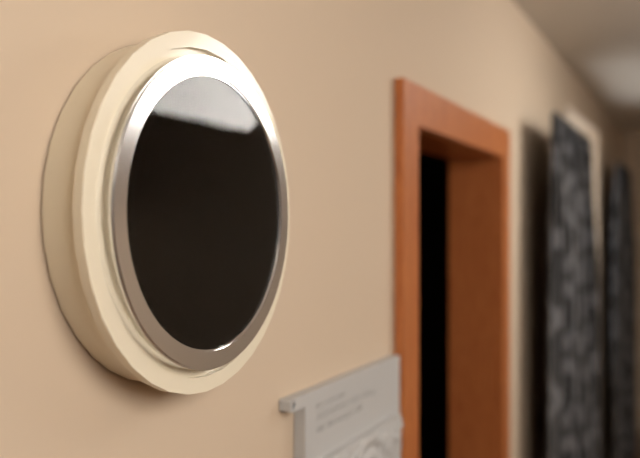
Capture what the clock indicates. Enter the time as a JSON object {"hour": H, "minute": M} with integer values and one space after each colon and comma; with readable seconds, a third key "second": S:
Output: {"hour": 5, "minute": 51}
